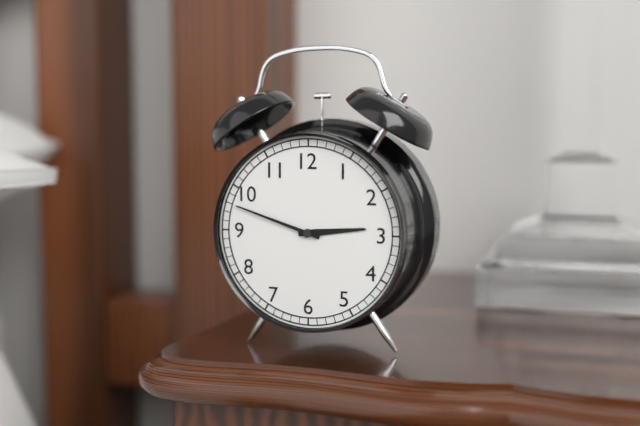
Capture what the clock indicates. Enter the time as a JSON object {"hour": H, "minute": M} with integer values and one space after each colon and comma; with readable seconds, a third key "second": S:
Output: {"hour": 2, "minute": 48}
